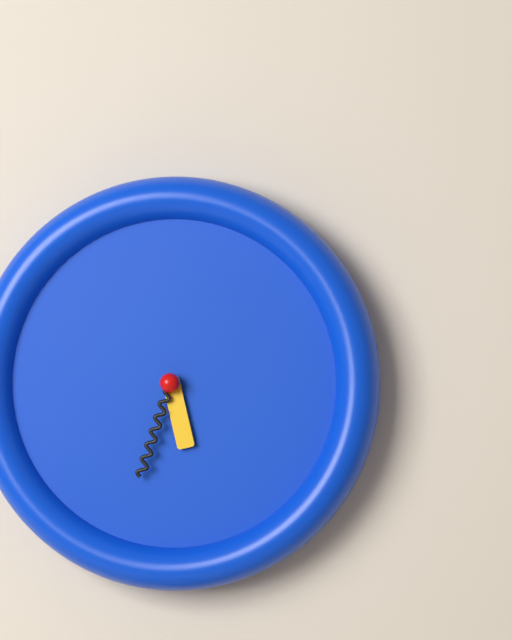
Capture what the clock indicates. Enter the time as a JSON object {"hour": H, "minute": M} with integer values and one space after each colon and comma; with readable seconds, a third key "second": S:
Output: {"hour": 5, "minute": 33}
